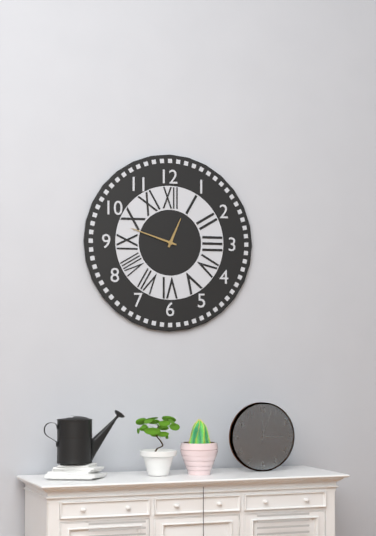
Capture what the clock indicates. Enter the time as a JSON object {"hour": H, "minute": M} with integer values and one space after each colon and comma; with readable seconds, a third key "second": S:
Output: {"hour": 12, "minute": 48}
